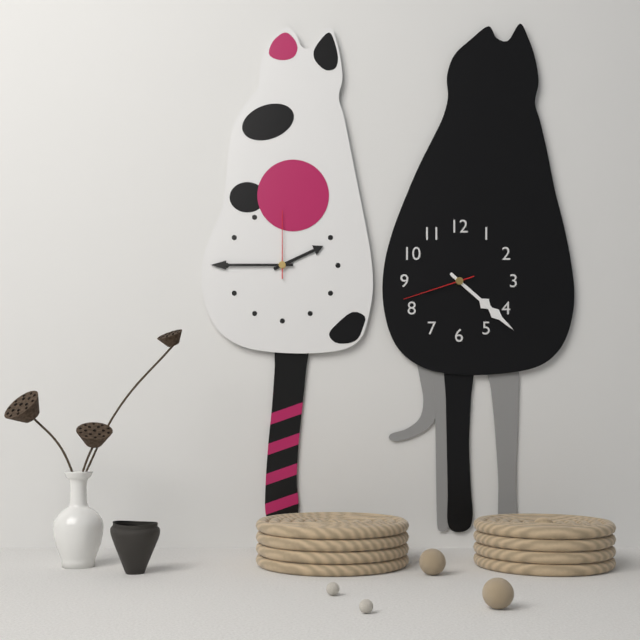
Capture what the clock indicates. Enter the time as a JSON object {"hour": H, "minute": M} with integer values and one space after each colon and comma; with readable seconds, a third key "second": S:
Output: {"hour": 4, "minute": 22, "second": 42}
